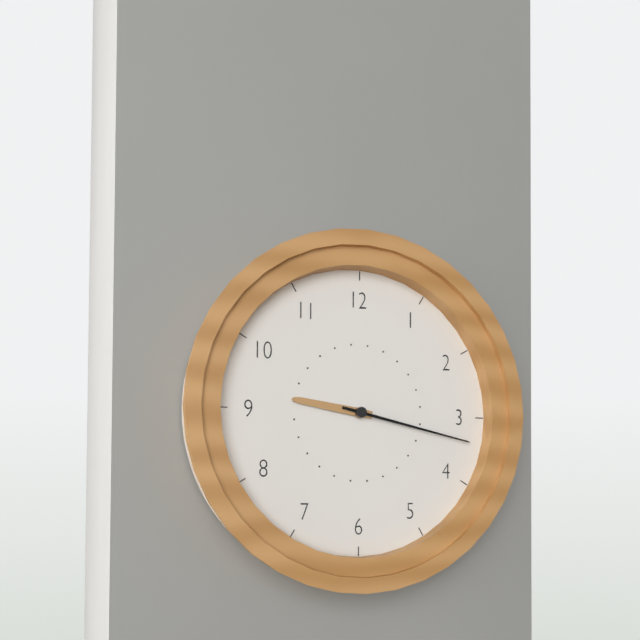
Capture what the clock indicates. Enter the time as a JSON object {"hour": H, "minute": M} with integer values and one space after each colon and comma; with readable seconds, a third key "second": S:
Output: {"hour": 9, "minute": 17}
